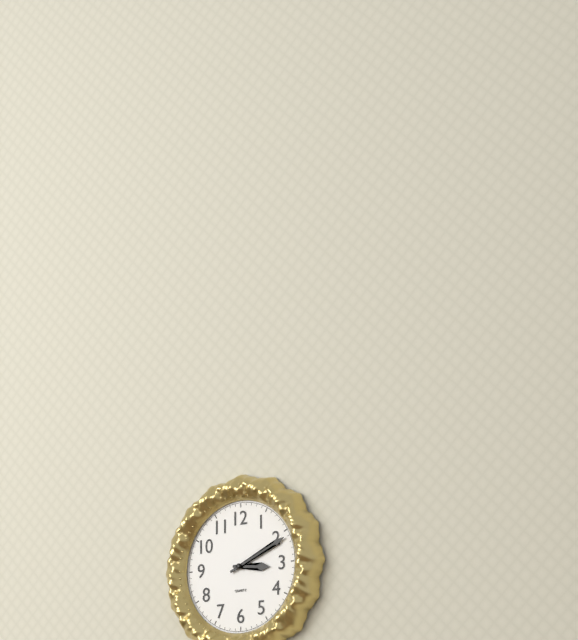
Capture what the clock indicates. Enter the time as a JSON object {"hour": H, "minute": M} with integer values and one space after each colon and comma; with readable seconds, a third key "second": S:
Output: {"hour": 3, "minute": 11}
